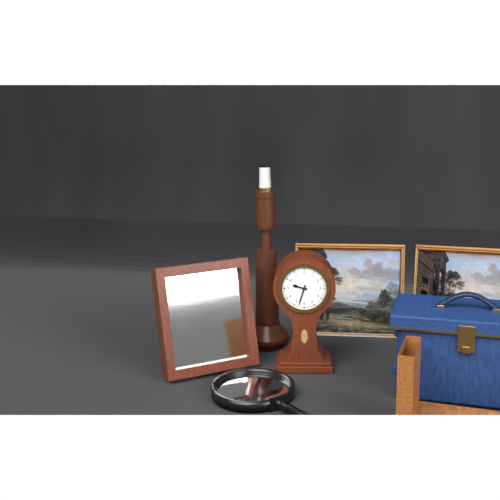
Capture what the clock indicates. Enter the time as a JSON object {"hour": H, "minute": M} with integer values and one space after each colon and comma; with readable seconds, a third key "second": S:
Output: {"hour": 9, "minute": 33}
